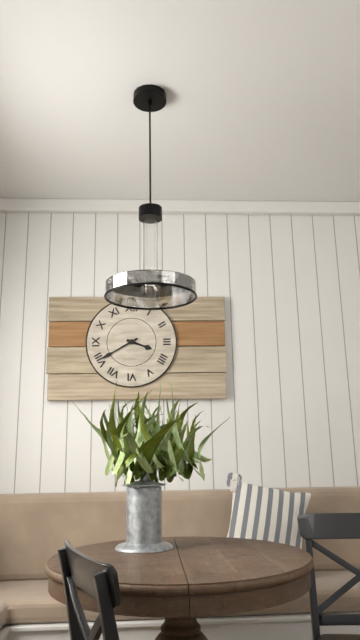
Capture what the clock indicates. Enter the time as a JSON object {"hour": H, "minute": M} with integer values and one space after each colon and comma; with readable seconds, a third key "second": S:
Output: {"hour": 3, "minute": 40}
